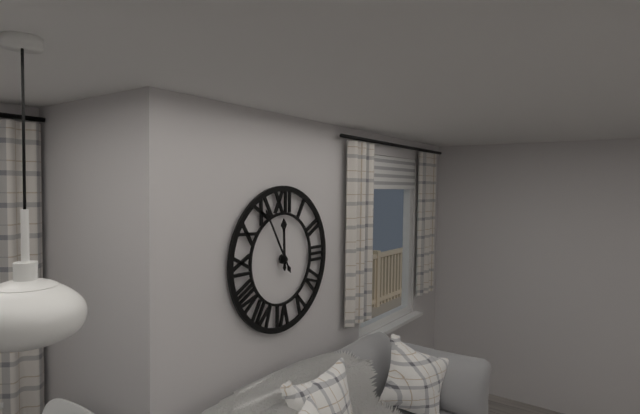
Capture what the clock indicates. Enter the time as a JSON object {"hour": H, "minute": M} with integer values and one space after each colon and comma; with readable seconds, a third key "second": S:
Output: {"hour": 11, "minute": 55}
